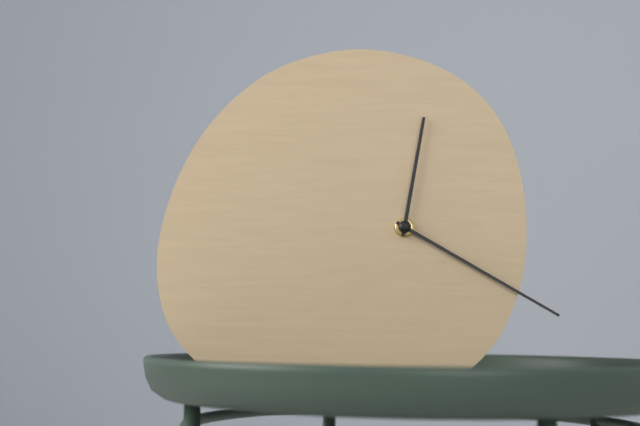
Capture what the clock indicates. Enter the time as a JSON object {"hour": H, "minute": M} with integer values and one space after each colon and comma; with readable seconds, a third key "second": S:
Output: {"hour": 12, "minute": 20}
